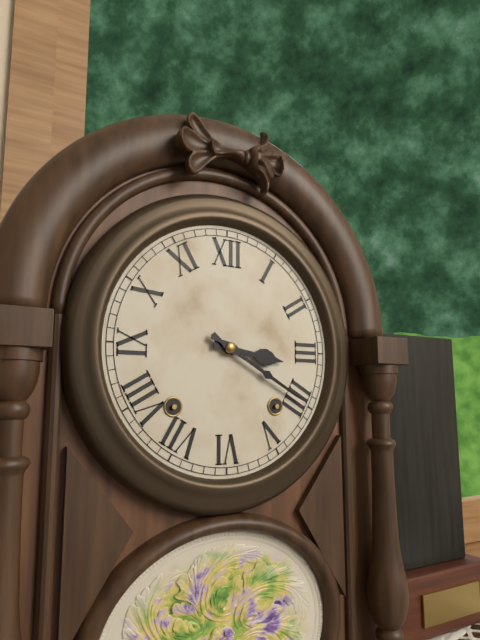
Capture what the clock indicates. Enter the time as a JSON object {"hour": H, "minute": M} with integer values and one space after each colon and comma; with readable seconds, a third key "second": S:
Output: {"hour": 3, "minute": 20}
